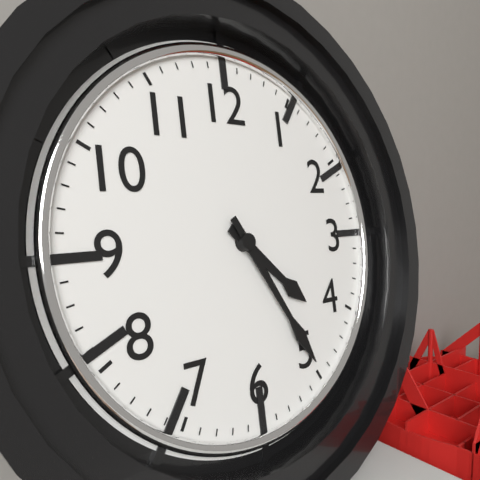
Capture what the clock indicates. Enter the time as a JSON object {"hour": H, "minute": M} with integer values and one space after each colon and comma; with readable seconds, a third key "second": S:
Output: {"hour": 4, "minute": 25}
